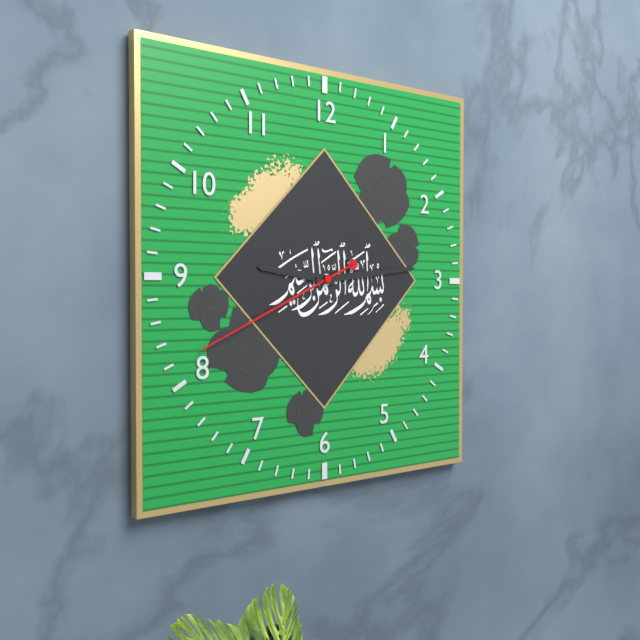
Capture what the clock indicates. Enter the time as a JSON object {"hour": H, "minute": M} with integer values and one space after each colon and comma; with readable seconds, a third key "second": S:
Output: {"hour": 9, "minute": 14, "second": 41}
